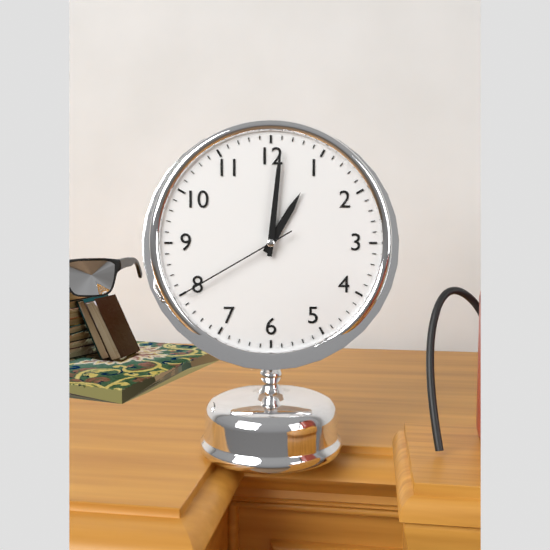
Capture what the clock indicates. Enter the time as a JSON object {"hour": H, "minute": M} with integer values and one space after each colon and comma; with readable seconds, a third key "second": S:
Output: {"hour": 1, "minute": 1, "second": 40}
